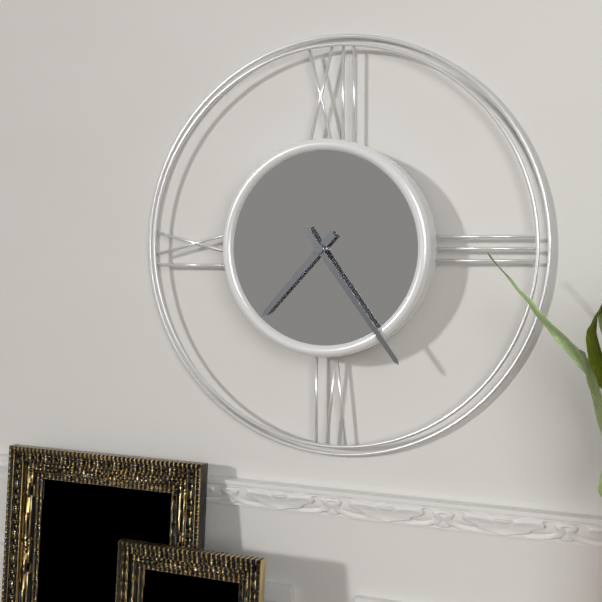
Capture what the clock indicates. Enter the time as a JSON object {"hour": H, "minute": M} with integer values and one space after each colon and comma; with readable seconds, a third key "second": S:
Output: {"hour": 7, "minute": 24}
